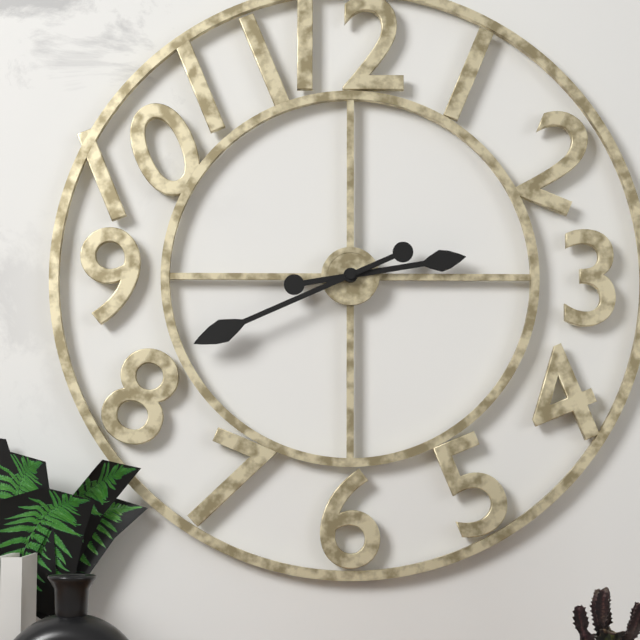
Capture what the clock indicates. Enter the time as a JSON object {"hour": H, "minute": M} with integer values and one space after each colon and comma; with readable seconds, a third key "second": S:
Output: {"hour": 2, "minute": 41}
